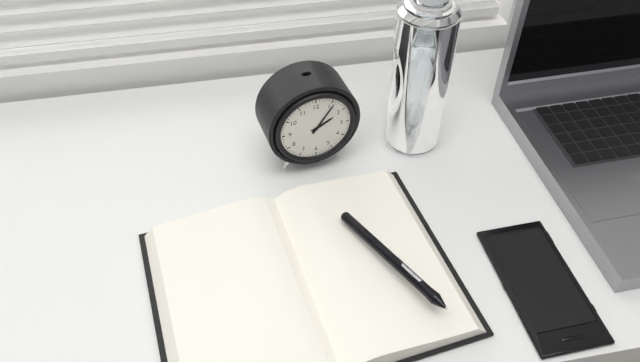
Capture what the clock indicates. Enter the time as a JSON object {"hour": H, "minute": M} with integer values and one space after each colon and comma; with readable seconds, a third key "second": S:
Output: {"hour": 2, "minute": 6}
